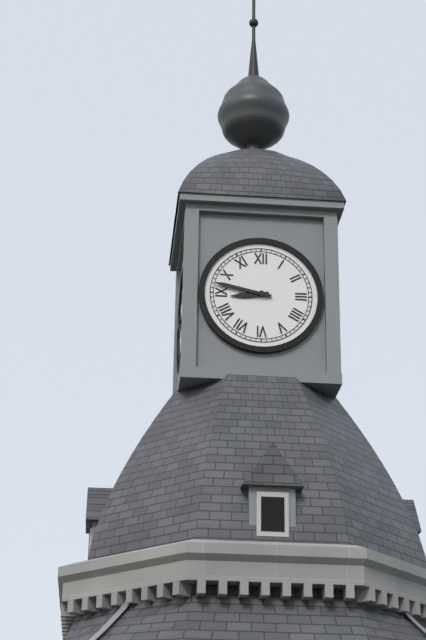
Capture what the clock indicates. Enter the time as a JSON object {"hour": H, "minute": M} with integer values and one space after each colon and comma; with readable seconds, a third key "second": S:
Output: {"hour": 8, "minute": 47}
